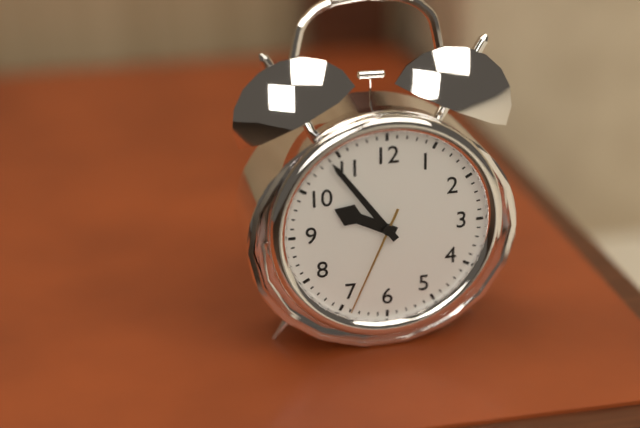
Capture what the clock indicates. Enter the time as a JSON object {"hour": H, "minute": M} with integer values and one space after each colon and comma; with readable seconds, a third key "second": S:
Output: {"hour": 9, "minute": 54, "second": 34}
